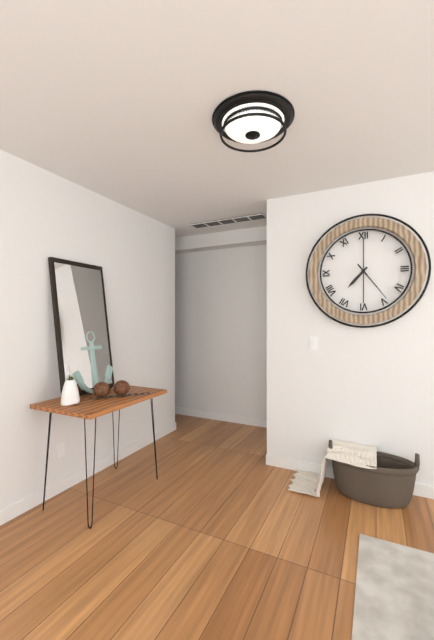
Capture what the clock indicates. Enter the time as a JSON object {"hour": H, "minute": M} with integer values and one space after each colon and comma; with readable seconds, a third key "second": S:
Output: {"hour": 7, "minute": 24}
